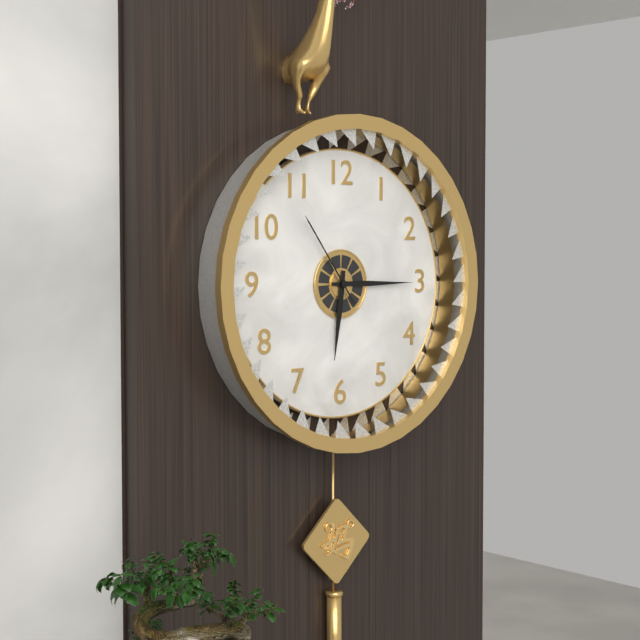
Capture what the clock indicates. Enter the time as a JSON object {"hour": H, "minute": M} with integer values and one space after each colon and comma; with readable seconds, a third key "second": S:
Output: {"hour": 6, "minute": 15, "second": 54}
